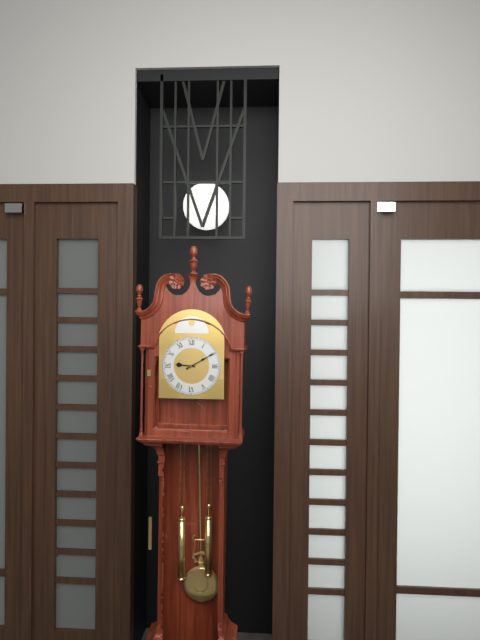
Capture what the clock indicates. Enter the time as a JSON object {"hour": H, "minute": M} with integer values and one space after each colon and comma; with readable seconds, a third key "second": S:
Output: {"hour": 9, "minute": 10}
